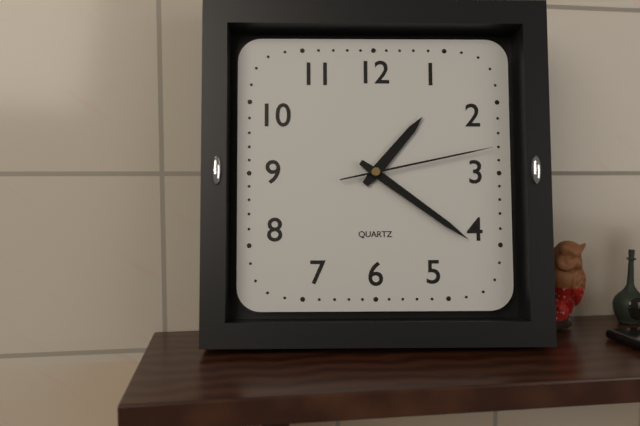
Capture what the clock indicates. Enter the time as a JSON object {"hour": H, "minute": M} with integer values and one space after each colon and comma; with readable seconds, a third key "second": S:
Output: {"hour": 1, "minute": 21, "second": 13}
